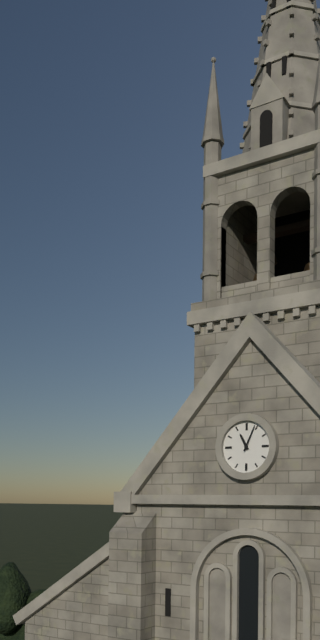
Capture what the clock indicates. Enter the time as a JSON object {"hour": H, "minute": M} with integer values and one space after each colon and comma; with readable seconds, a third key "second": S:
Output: {"hour": 11, "minute": 4}
